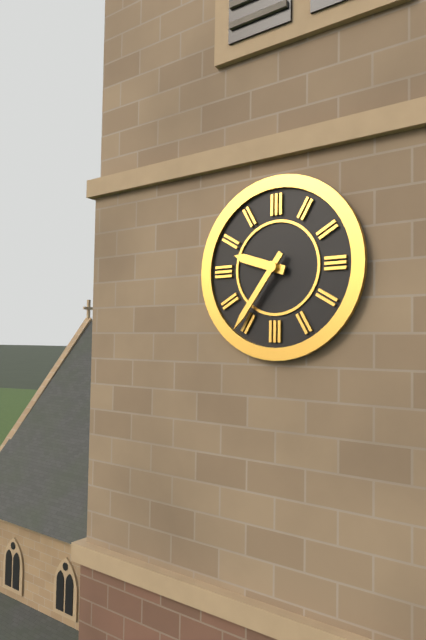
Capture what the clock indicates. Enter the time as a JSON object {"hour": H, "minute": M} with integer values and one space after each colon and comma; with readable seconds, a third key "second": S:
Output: {"hour": 9, "minute": 36}
